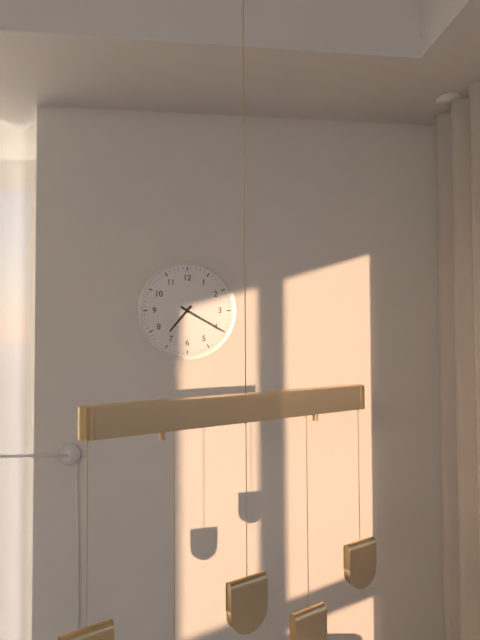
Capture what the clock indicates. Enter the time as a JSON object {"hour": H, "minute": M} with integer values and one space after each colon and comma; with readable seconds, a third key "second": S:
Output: {"hour": 7, "minute": 20}
